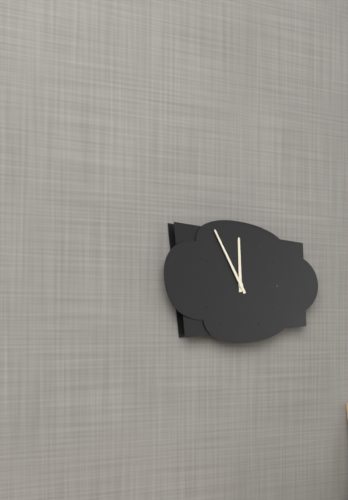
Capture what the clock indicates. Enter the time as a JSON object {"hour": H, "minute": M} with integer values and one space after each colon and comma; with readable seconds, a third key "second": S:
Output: {"hour": 11, "minute": 55}
